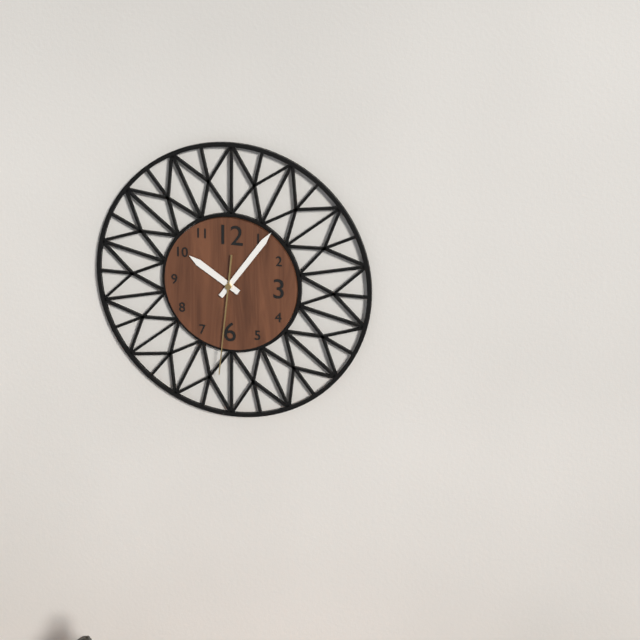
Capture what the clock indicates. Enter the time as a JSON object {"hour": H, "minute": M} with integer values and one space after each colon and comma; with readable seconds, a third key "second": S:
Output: {"hour": 10, "minute": 6, "second": 31}
